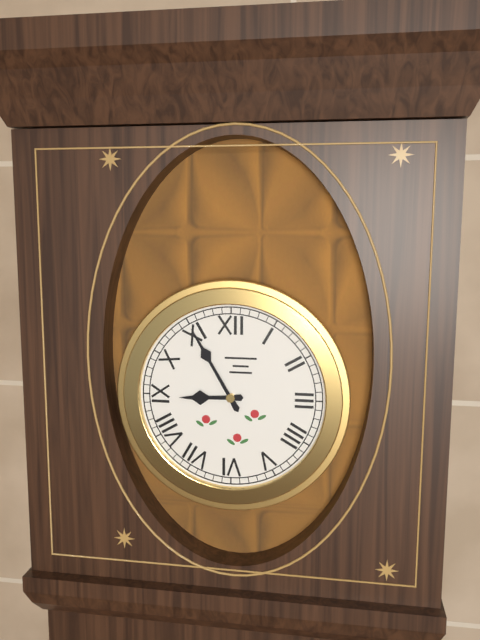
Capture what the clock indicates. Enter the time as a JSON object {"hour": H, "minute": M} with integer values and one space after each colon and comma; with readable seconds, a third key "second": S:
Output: {"hour": 8, "minute": 55}
